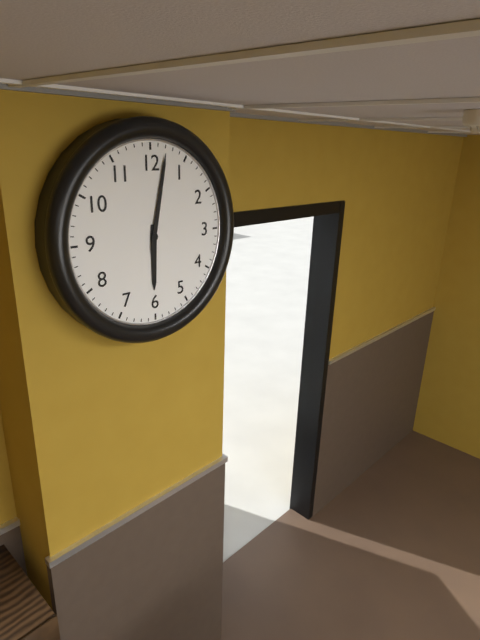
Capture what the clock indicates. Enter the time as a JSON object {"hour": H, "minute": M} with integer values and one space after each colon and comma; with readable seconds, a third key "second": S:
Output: {"hour": 6, "minute": 2}
